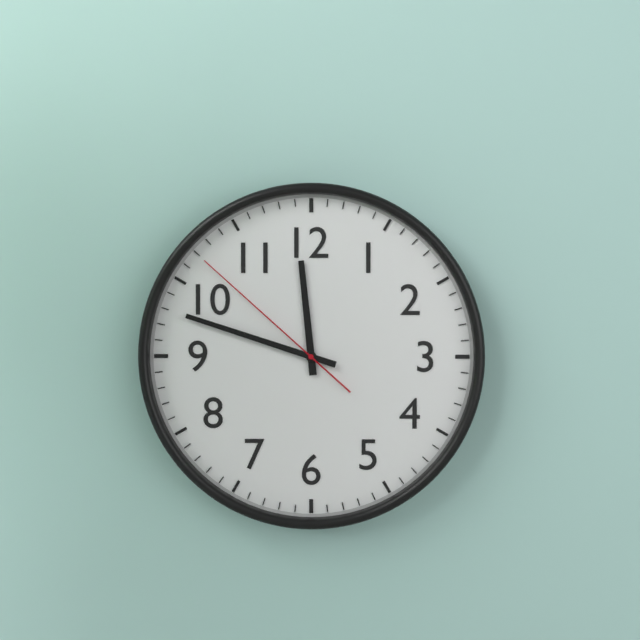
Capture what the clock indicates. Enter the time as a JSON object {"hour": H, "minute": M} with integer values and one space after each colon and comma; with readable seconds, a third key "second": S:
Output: {"hour": 11, "minute": 48, "second": 52}
